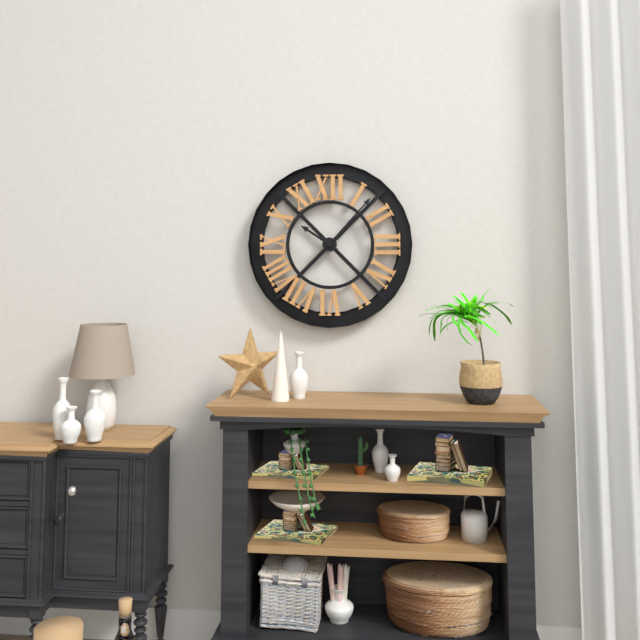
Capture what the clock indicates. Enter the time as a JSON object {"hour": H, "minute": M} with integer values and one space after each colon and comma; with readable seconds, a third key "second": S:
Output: {"hour": 10, "minute": 7}
